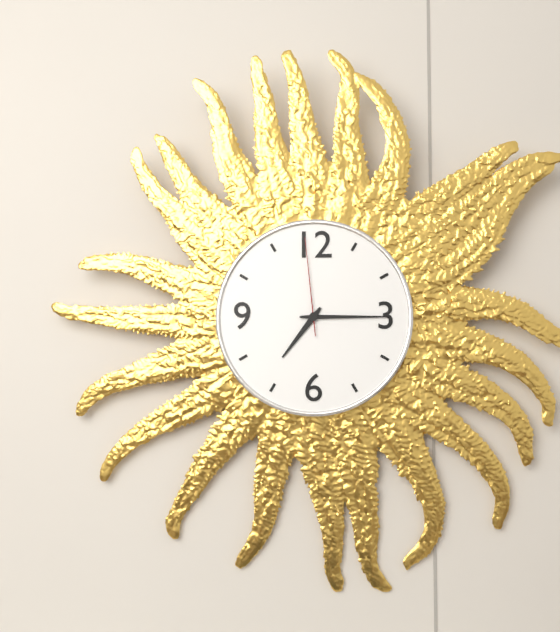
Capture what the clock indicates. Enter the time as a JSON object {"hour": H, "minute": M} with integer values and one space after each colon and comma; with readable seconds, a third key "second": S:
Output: {"hour": 7, "minute": 15, "second": 59}
